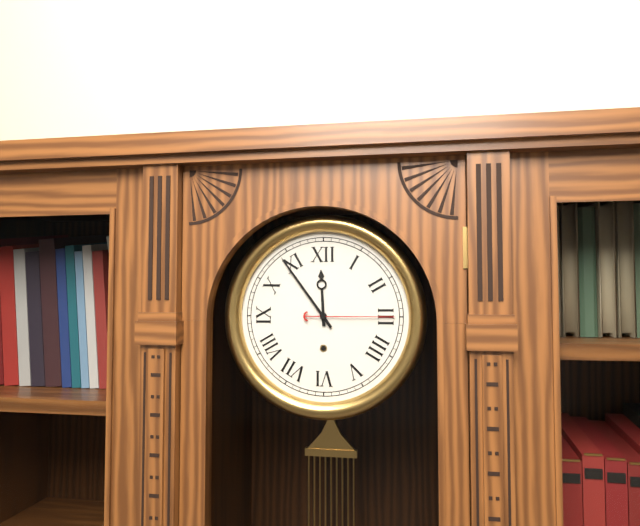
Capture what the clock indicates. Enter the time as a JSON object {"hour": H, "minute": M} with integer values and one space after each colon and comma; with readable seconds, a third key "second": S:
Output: {"hour": 11, "minute": 54, "second": 15}
